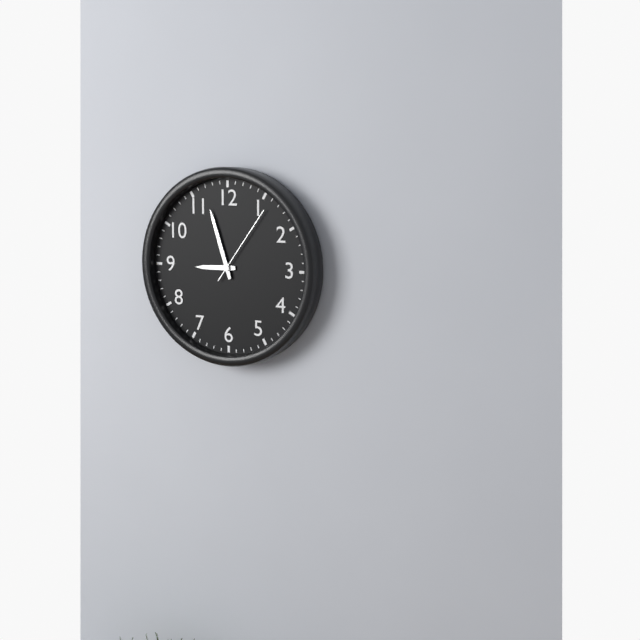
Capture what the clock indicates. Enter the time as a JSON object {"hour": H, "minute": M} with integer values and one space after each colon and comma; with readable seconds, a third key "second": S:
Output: {"hour": 8, "minute": 57, "second": 6}
